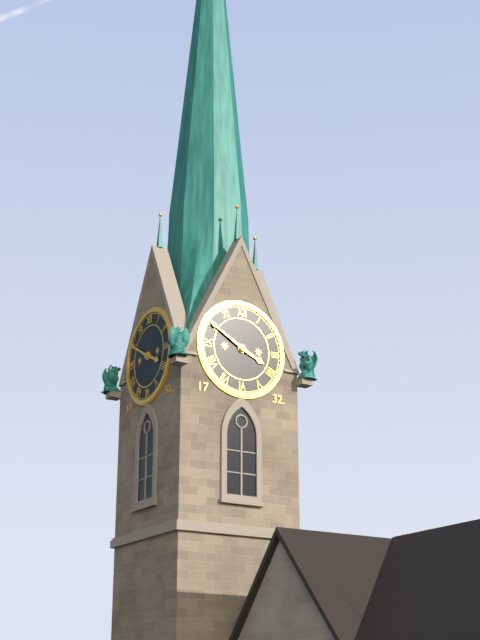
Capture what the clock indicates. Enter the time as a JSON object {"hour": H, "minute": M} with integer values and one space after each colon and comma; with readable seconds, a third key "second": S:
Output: {"hour": 3, "minute": 50}
